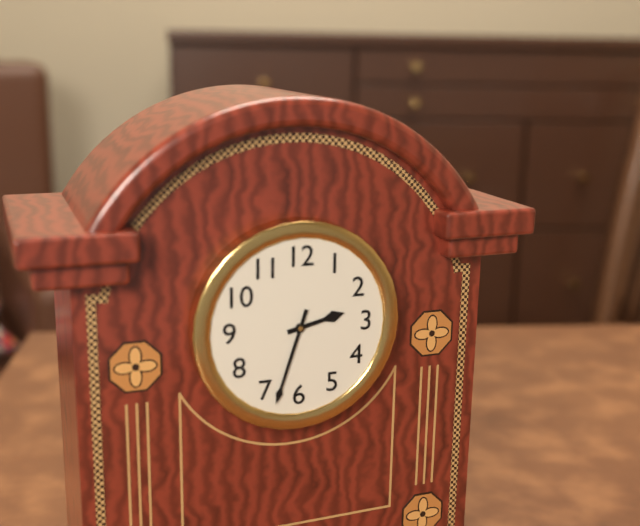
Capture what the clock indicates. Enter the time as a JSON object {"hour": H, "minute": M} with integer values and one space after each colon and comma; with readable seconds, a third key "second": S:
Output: {"hour": 2, "minute": 33}
